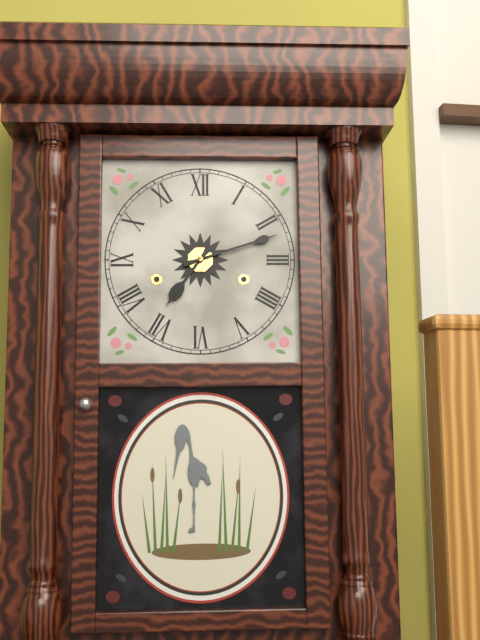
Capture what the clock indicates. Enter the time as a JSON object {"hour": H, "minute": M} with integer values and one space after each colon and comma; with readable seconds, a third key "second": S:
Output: {"hour": 7, "minute": 12}
